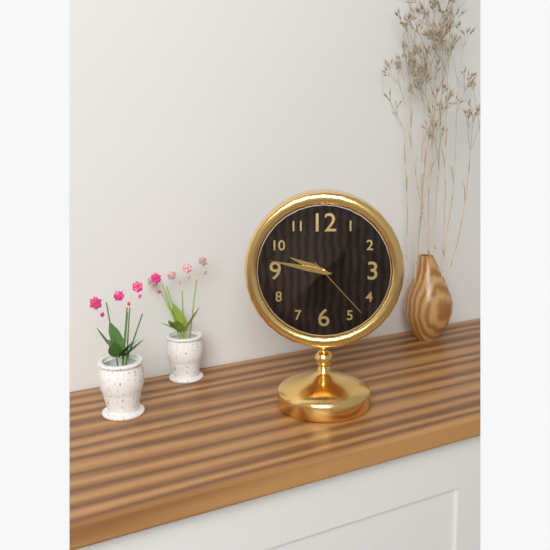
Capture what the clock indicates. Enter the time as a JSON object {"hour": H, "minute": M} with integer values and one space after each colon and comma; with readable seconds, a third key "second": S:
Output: {"hour": 9, "minute": 47, "second": 23}
